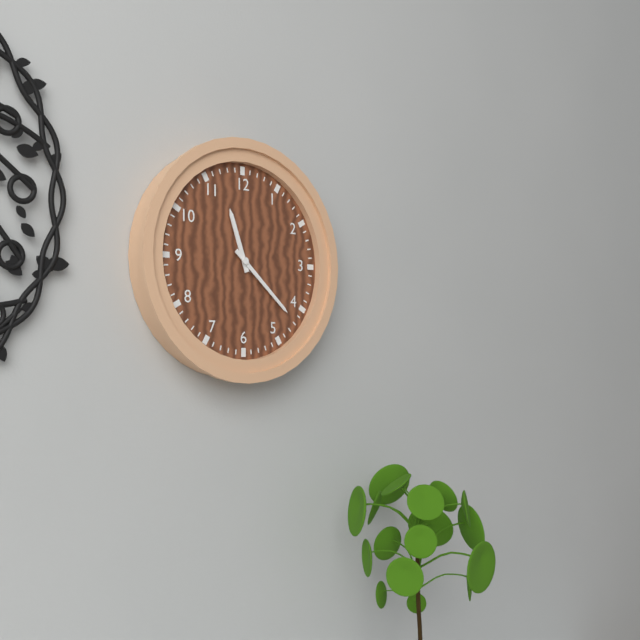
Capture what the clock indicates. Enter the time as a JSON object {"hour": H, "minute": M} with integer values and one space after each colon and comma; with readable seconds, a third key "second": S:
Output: {"hour": 11, "minute": 22}
